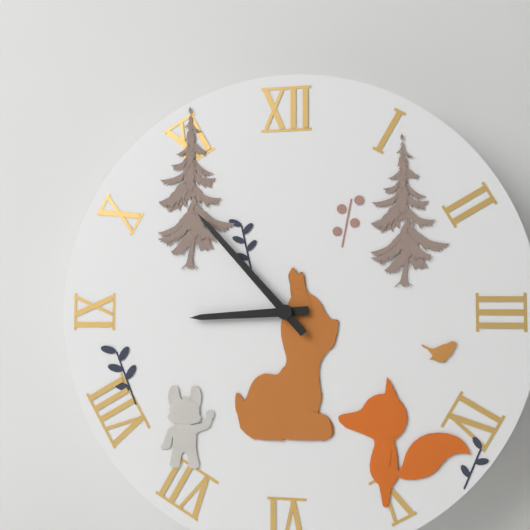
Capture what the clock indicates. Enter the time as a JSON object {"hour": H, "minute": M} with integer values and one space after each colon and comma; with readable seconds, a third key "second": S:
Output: {"hour": 8, "minute": 53}
